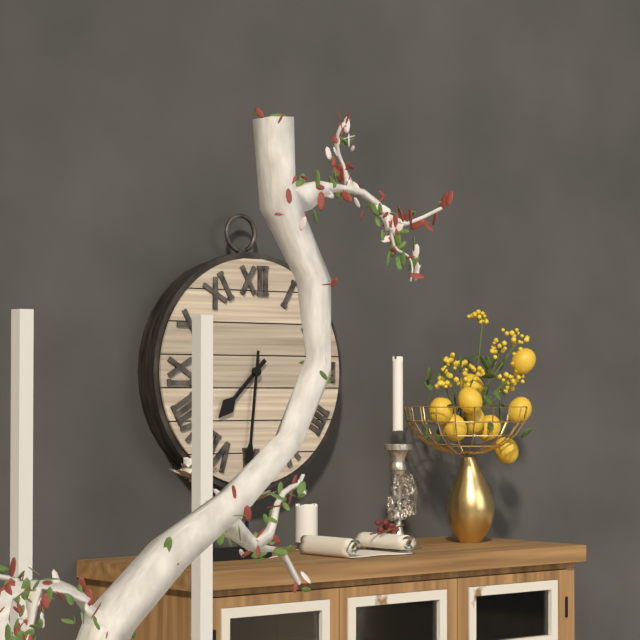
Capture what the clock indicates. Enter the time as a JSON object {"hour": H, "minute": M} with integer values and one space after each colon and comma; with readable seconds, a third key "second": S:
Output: {"hour": 7, "minute": 31}
